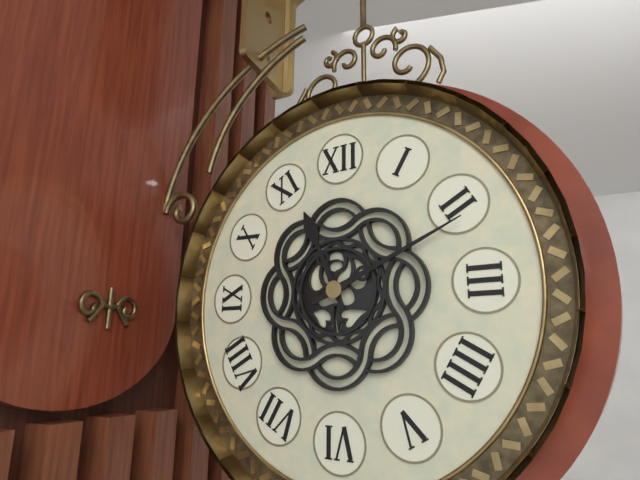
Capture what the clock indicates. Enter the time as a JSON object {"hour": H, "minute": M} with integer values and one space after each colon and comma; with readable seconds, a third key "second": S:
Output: {"hour": 11, "minute": 11}
